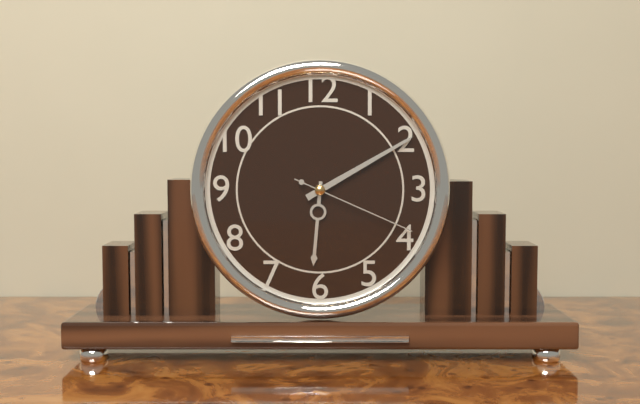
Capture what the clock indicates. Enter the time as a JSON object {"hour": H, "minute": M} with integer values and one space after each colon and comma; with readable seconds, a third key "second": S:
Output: {"hour": 6, "minute": 10, "second": 19}
